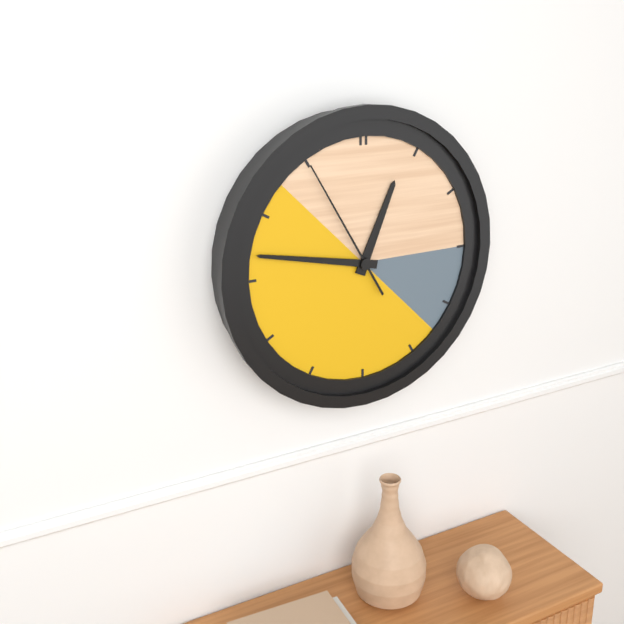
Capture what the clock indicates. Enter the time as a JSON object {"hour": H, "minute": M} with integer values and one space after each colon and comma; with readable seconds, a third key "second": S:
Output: {"hour": 12, "minute": 47, "second": 55}
